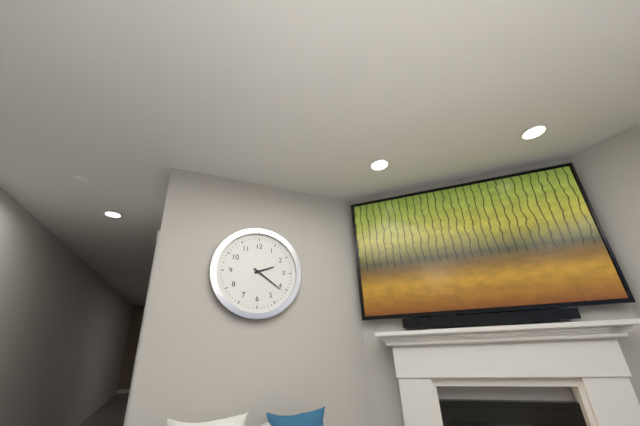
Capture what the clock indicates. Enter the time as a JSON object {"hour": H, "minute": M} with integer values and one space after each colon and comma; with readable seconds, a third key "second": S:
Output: {"hour": 2, "minute": 21}
